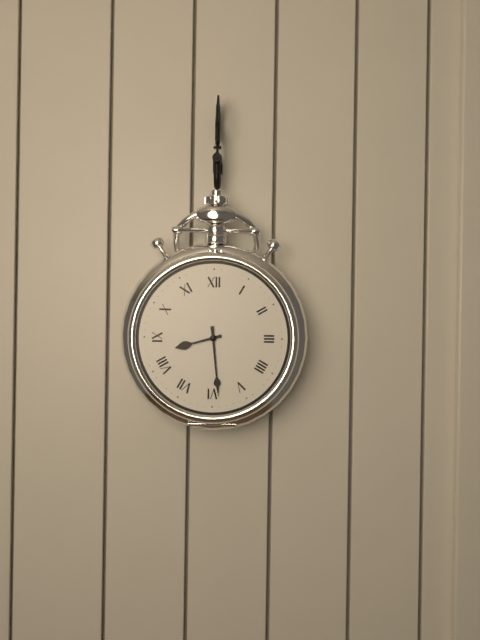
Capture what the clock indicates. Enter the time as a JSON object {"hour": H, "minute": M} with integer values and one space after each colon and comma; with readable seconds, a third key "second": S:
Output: {"hour": 8, "minute": 29}
